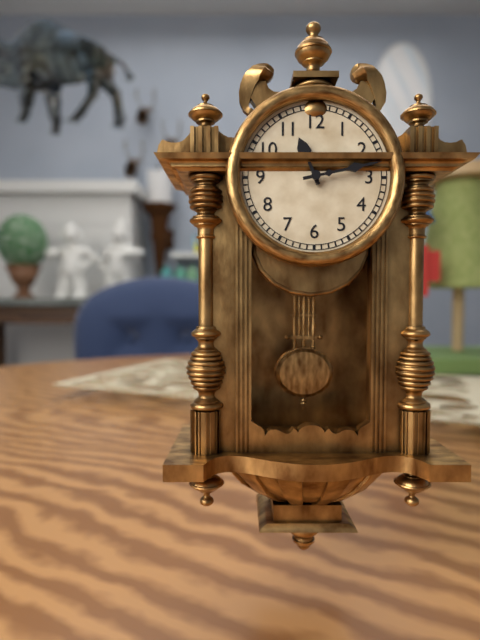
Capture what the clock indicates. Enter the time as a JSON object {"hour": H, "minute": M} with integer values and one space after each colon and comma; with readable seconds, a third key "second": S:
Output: {"hour": 11, "minute": 13}
